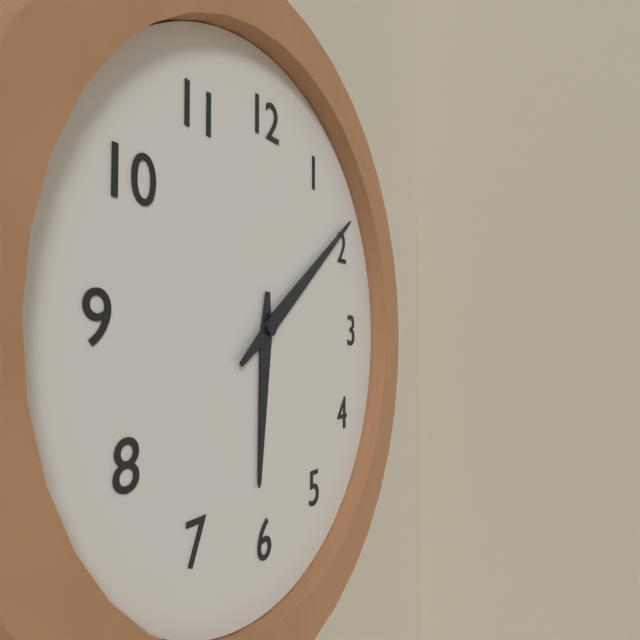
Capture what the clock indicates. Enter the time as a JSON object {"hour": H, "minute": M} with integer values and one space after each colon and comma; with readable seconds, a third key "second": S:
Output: {"hour": 6, "minute": 9}
